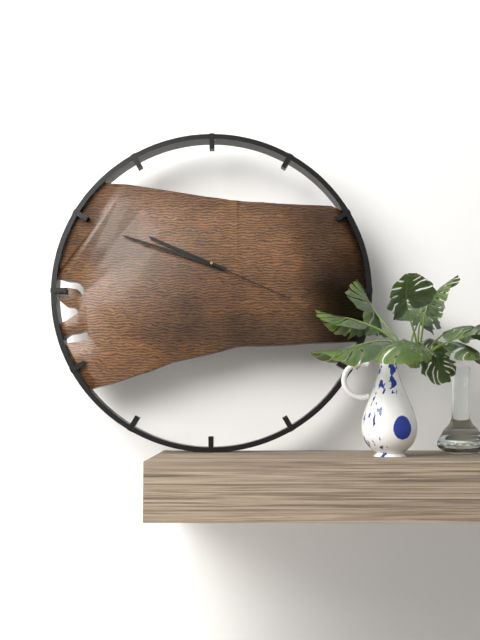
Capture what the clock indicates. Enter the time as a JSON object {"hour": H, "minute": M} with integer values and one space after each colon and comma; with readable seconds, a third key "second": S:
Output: {"hour": 9, "minute": 48, "second": 19}
